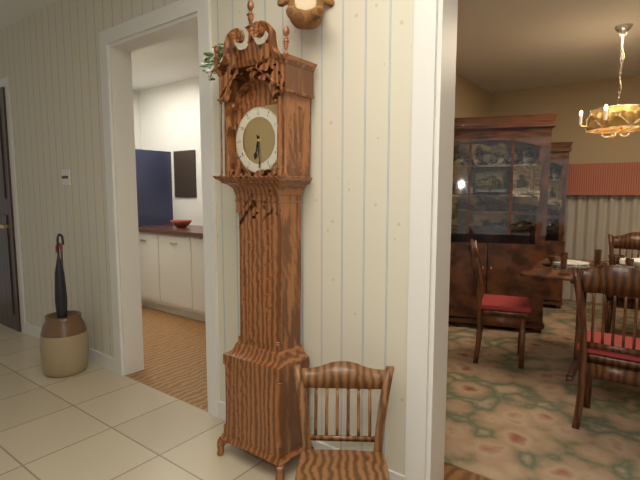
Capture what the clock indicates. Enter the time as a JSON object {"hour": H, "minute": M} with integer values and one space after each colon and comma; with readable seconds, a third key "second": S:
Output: {"hour": 6, "minute": 29}
